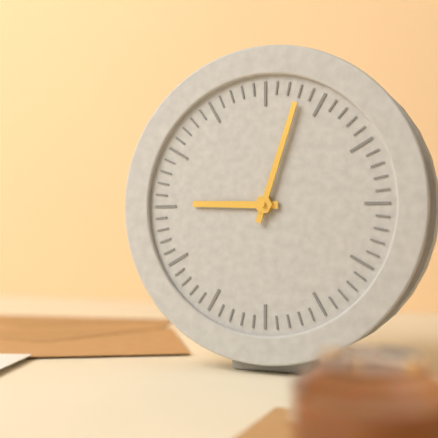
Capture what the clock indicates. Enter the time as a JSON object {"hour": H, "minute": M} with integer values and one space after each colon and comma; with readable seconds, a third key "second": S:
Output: {"hour": 9, "minute": 3}
